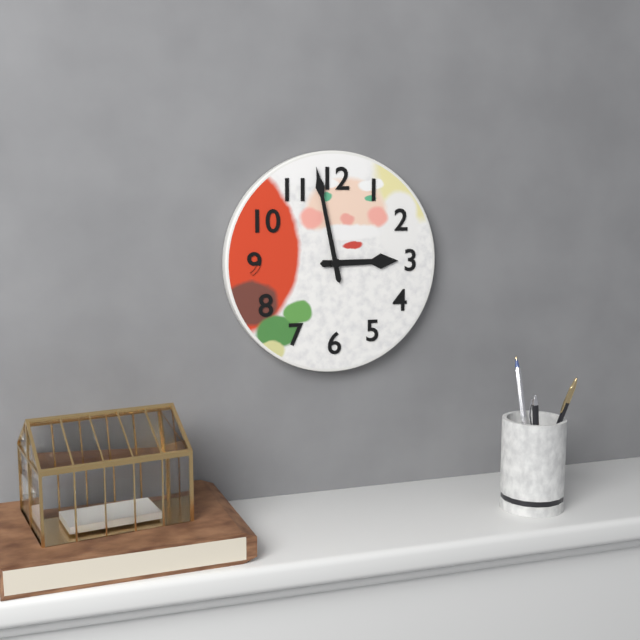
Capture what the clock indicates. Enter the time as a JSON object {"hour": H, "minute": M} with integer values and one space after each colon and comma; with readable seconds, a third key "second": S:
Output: {"hour": 2, "minute": 58}
